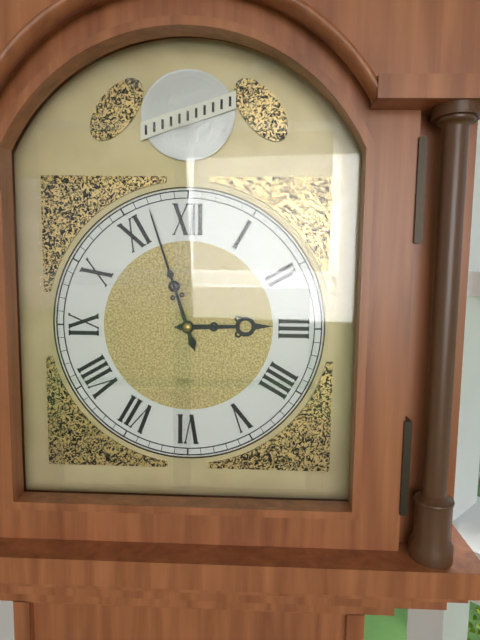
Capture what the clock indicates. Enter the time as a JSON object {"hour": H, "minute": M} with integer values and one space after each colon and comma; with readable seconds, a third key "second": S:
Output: {"hour": 2, "minute": 57}
